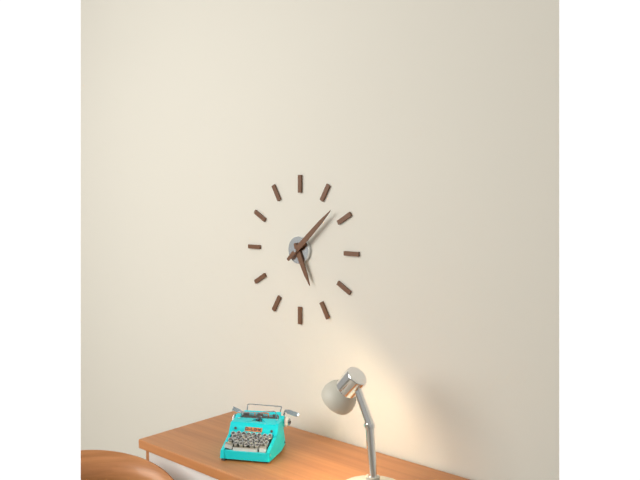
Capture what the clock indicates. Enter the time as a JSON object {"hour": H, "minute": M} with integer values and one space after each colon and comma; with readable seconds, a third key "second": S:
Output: {"hour": 5, "minute": 8}
